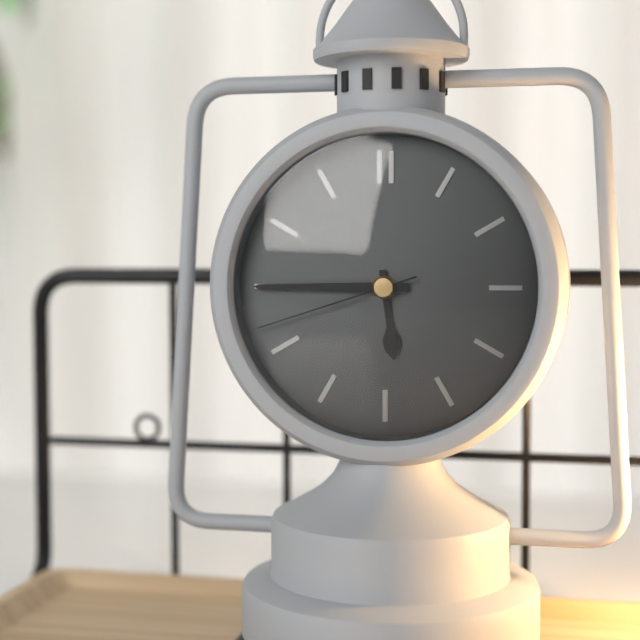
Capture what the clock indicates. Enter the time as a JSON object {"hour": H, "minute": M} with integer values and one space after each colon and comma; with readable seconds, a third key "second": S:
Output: {"hour": 5, "minute": 45, "second": 42}
